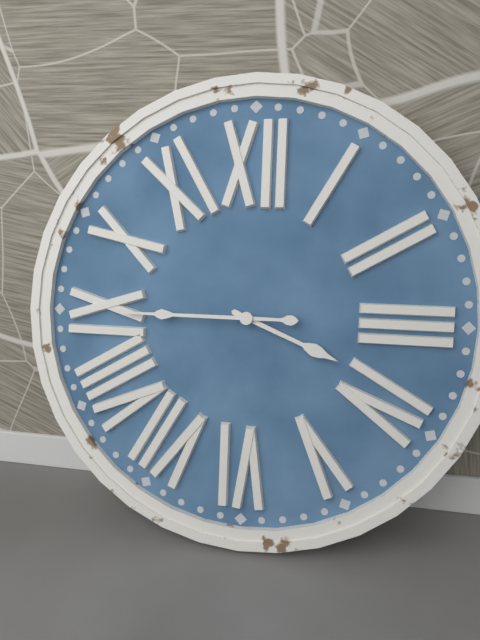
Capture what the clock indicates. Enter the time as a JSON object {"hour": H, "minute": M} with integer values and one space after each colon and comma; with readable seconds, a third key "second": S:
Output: {"hour": 3, "minute": 45}
